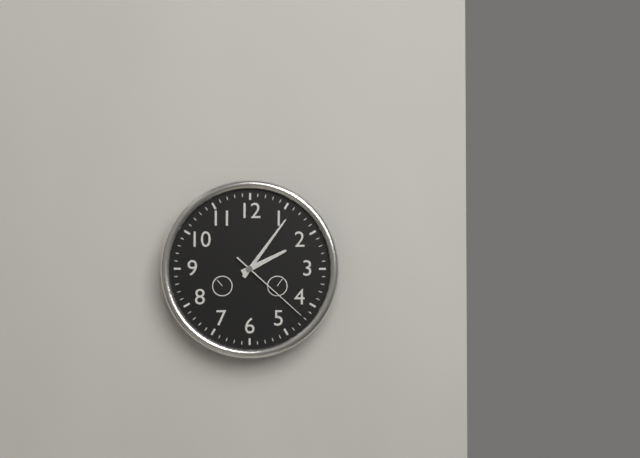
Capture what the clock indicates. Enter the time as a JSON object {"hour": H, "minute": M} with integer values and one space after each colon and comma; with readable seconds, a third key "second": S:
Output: {"hour": 2, "minute": 6, "second": 22}
